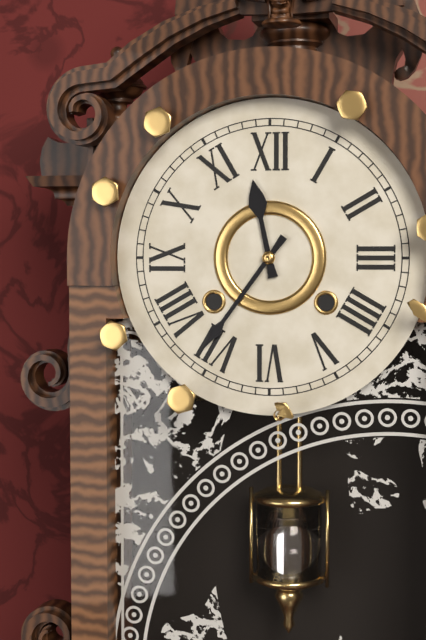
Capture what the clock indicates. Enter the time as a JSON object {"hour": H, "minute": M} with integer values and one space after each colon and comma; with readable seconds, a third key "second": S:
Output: {"hour": 11, "minute": 36}
